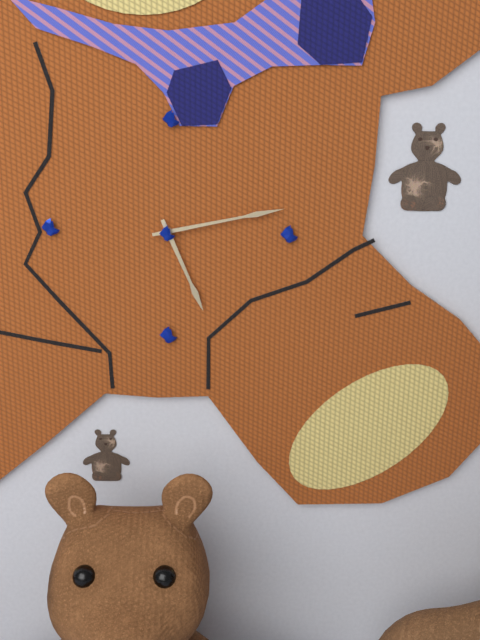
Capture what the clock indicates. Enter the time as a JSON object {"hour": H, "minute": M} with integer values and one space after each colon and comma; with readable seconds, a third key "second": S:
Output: {"hour": 5, "minute": 13}
